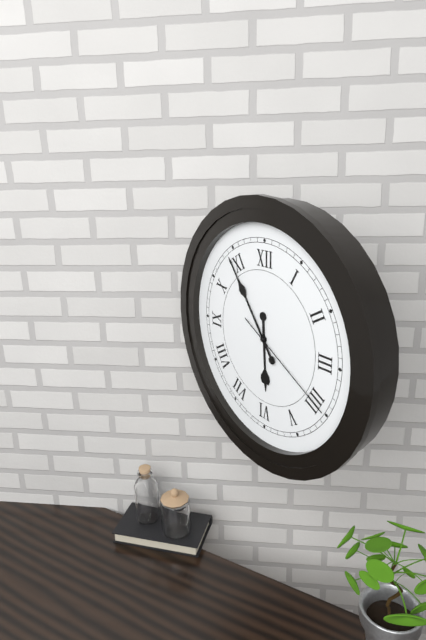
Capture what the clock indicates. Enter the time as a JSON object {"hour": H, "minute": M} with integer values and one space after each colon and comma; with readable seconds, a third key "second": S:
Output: {"hour": 5, "minute": 54, "second": 20}
